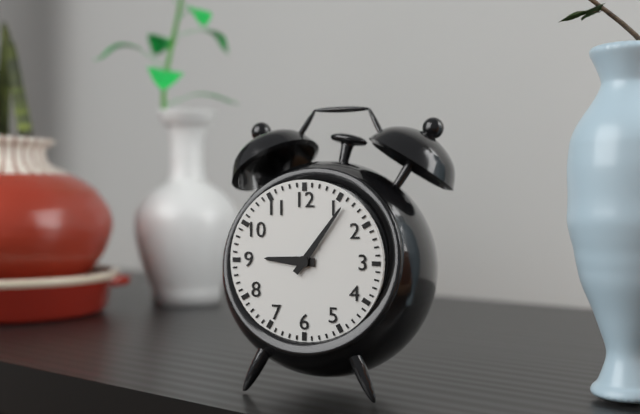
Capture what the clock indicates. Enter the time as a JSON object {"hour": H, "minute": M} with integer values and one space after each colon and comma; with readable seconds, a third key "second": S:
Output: {"hour": 9, "minute": 6}
